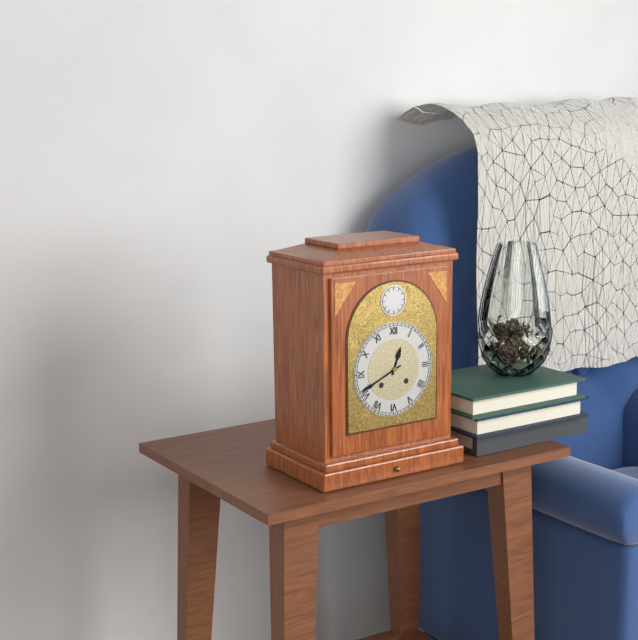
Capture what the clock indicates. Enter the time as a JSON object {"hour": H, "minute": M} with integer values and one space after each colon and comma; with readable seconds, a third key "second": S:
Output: {"hour": 12, "minute": 41}
